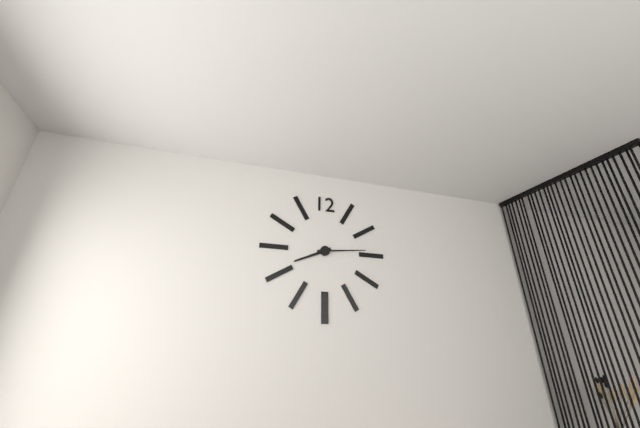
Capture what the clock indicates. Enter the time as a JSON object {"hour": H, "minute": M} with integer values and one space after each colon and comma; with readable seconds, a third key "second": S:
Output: {"hour": 8, "minute": 14}
